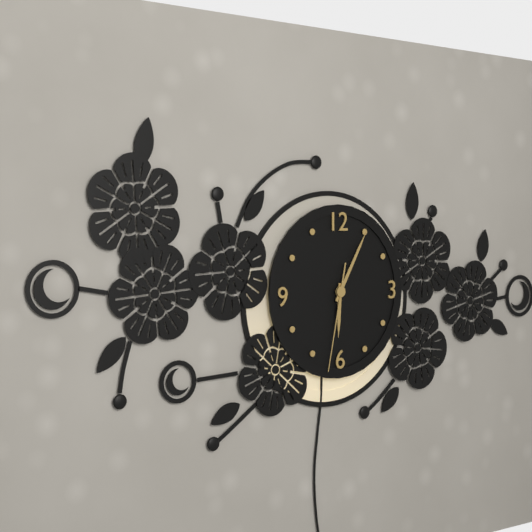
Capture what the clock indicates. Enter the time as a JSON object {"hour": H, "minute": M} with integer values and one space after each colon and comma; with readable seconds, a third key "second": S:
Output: {"hour": 6, "minute": 5, "second": 32}
